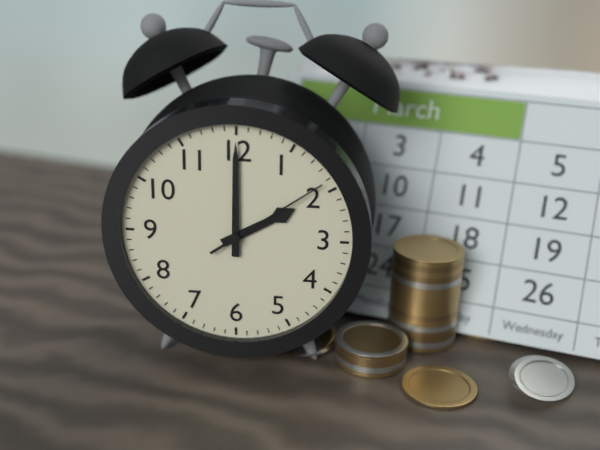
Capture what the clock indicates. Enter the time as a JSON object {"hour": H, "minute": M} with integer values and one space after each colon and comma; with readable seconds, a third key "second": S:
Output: {"hour": 2, "minute": 0, "second": 9}
